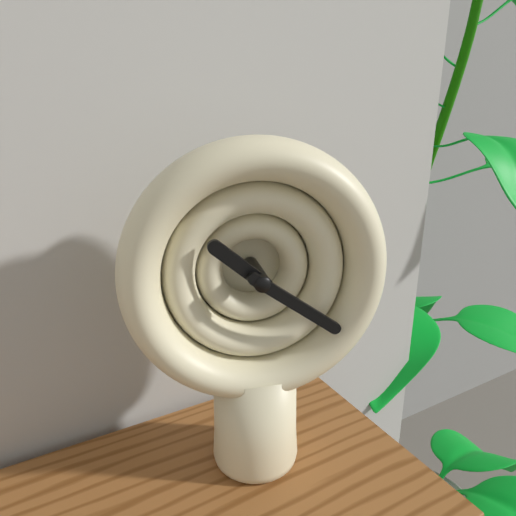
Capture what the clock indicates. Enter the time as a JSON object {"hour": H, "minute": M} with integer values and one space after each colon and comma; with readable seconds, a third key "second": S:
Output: {"hour": 10, "minute": 21}
